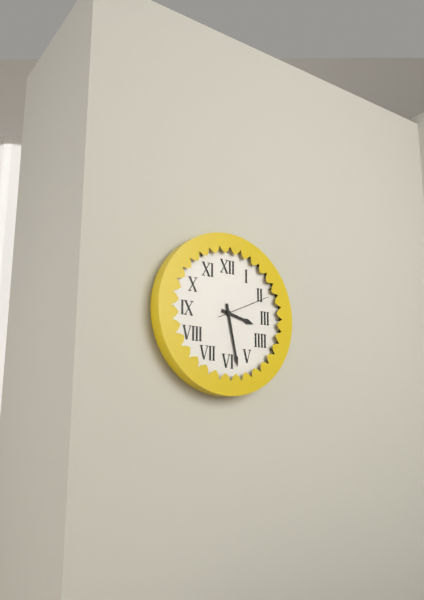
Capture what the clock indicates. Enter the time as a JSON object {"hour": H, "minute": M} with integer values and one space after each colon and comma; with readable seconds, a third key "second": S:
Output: {"hour": 3, "minute": 28, "second": 11}
